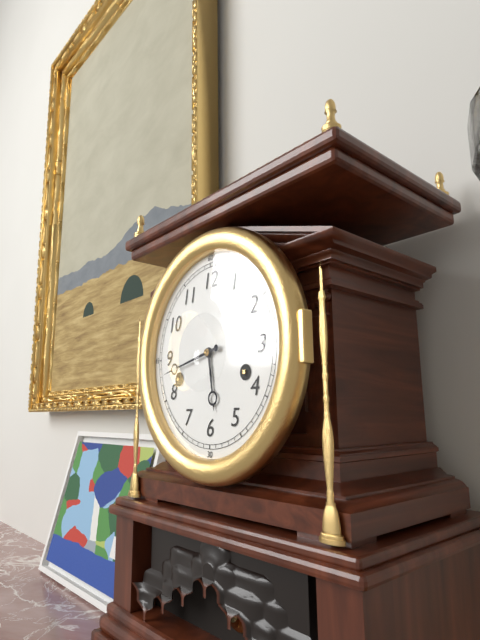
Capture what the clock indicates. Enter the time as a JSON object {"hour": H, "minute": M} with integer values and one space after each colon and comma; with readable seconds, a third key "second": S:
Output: {"hour": 5, "minute": 43}
